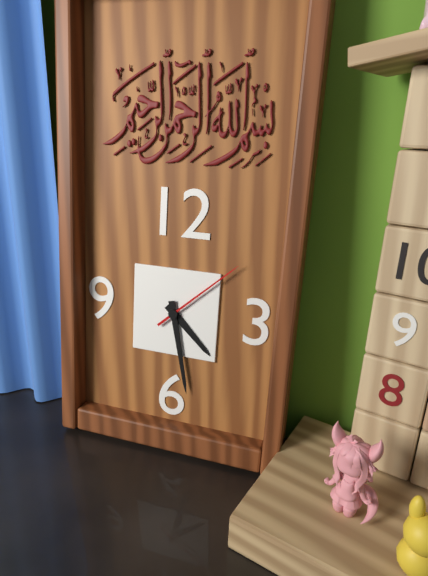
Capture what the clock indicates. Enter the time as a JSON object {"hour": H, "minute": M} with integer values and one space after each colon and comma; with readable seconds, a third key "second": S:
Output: {"hour": 4, "minute": 28, "second": 8}
